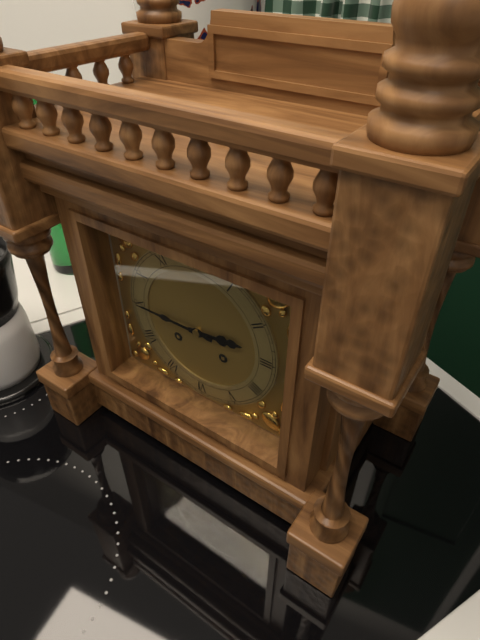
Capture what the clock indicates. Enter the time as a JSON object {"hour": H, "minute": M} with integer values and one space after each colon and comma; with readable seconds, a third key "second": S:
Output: {"hour": 2, "minute": 45}
